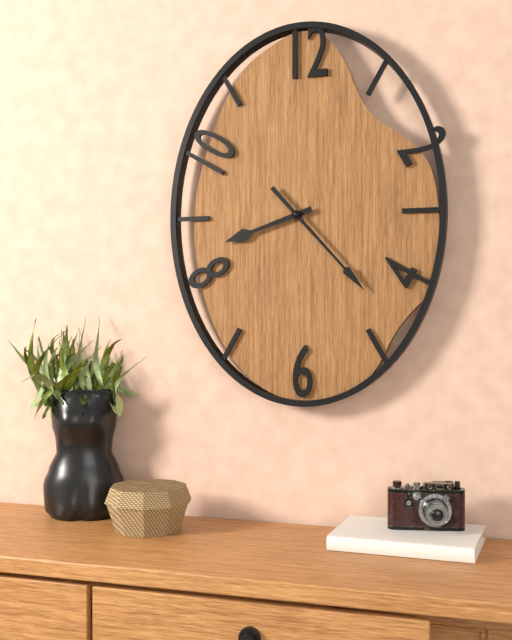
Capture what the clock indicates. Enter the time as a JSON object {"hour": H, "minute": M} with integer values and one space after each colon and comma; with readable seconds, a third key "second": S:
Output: {"hour": 8, "minute": 23}
